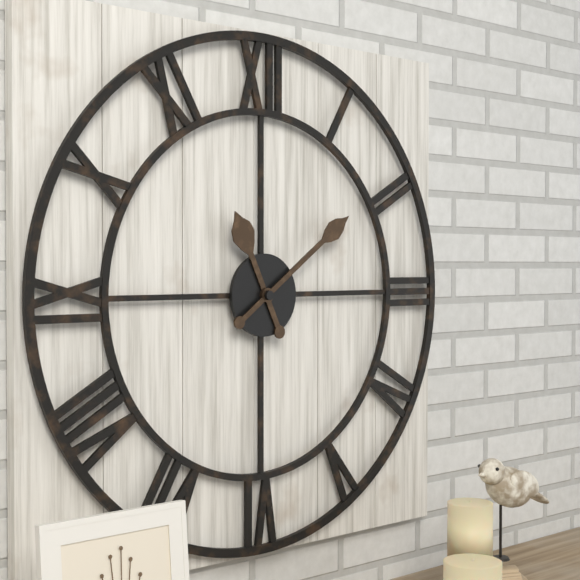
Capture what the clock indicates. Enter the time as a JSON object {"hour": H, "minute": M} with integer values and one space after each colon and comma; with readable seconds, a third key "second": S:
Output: {"hour": 11, "minute": 9}
